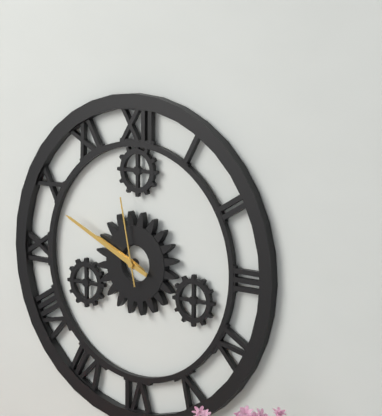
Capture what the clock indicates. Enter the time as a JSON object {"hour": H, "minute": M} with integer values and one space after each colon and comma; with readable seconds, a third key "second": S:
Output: {"hour": 9, "minute": 49, "second": 58}
